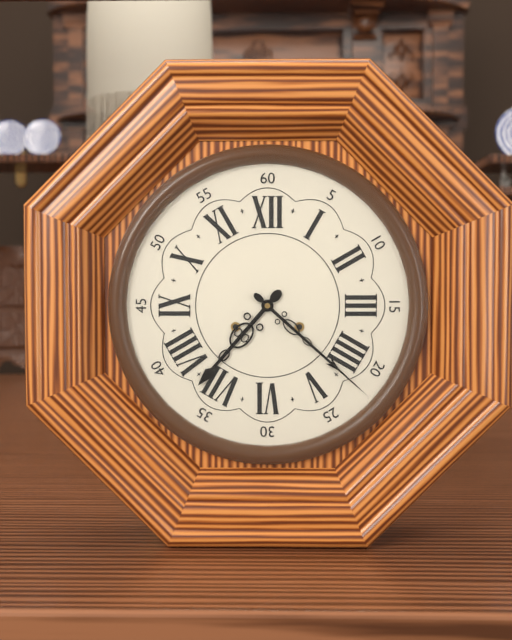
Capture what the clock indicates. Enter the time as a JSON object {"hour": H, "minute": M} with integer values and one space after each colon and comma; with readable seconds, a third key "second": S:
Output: {"hour": 7, "minute": 22}
